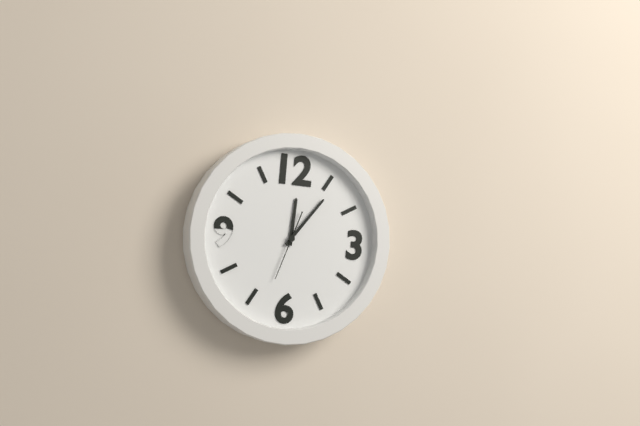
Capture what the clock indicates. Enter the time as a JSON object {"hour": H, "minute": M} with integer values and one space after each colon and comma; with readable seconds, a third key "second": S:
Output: {"hour": 12, "minute": 6, "second": 33}
